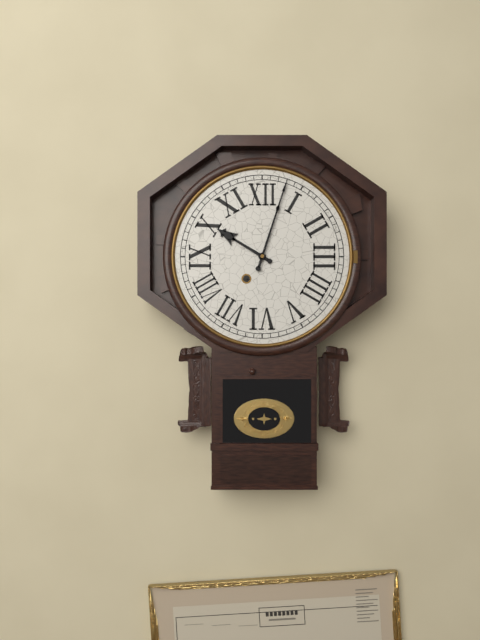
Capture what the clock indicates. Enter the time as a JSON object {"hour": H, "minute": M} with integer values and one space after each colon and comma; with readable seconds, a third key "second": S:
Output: {"hour": 10, "minute": 3}
